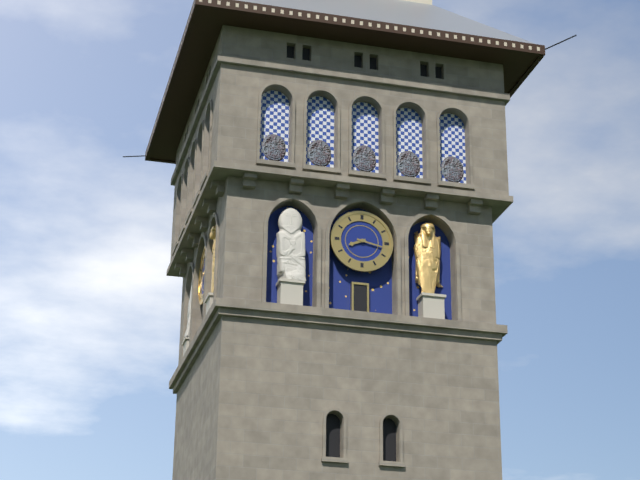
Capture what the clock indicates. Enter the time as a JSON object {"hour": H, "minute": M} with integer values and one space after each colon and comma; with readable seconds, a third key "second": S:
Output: {"hour": 8, "minute": 17}
